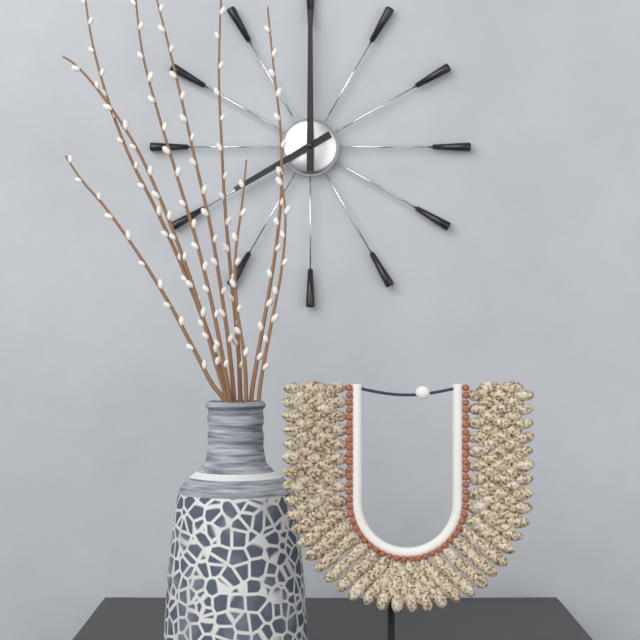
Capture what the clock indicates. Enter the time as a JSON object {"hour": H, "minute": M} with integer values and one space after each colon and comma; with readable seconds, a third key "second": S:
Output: {"hour": 8, "minute": 0}
